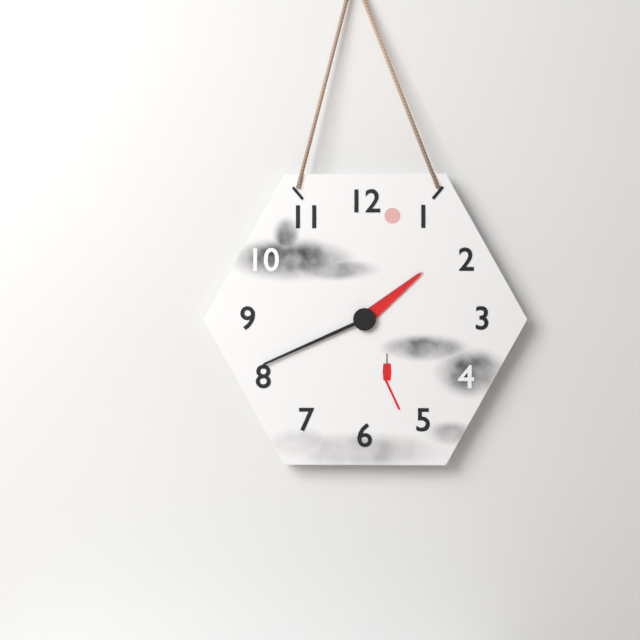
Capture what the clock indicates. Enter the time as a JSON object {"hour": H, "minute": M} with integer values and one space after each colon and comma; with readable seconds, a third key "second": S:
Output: {"hour": 1, "minute": 41}
